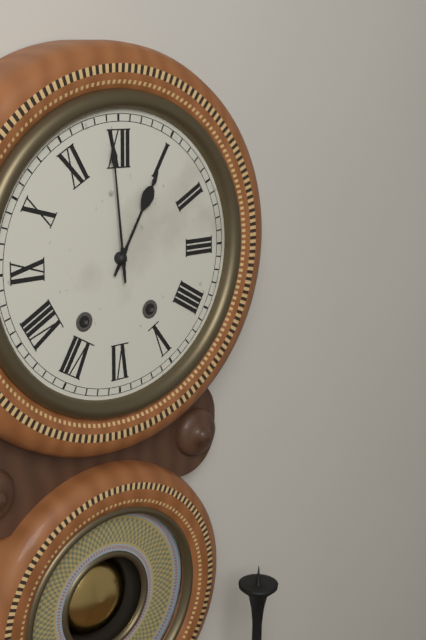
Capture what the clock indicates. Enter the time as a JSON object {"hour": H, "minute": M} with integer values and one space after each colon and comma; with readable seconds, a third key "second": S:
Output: {"hour": 12, "minute": 59}
